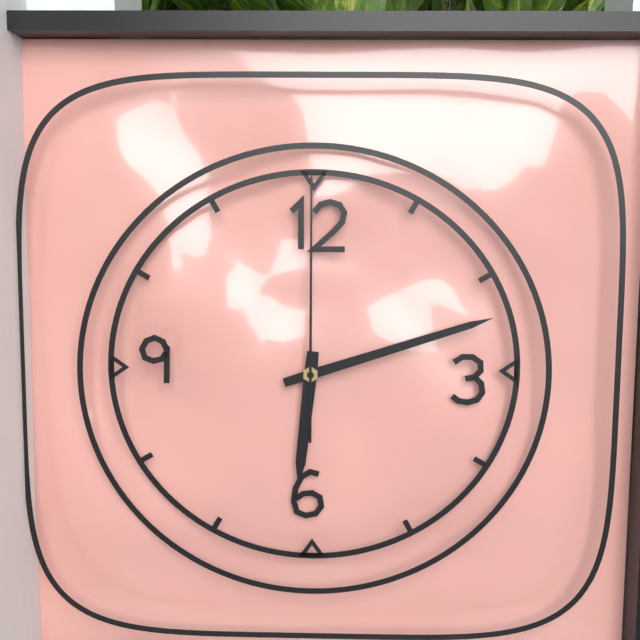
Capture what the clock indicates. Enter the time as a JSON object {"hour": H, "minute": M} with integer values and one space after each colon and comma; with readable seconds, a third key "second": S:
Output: {"hour": 6, "minute": 12, "second": 0}
